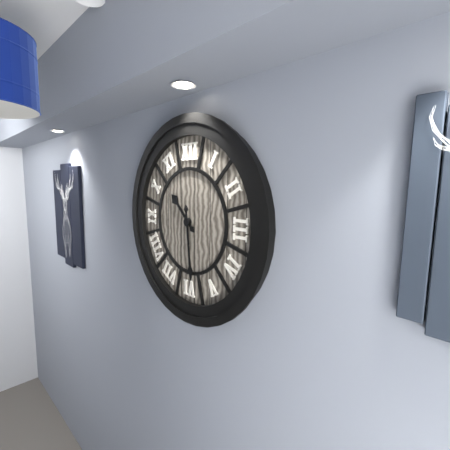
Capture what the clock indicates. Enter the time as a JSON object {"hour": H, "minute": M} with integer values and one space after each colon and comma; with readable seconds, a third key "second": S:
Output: {"hour": 10, "minute": 29}
